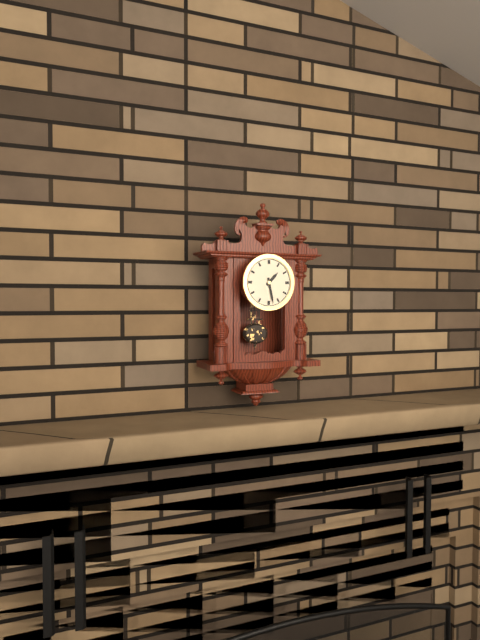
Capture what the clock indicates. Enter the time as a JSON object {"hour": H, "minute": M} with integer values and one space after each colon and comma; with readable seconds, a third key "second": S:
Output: {"hour": 1, "minute": 28}
